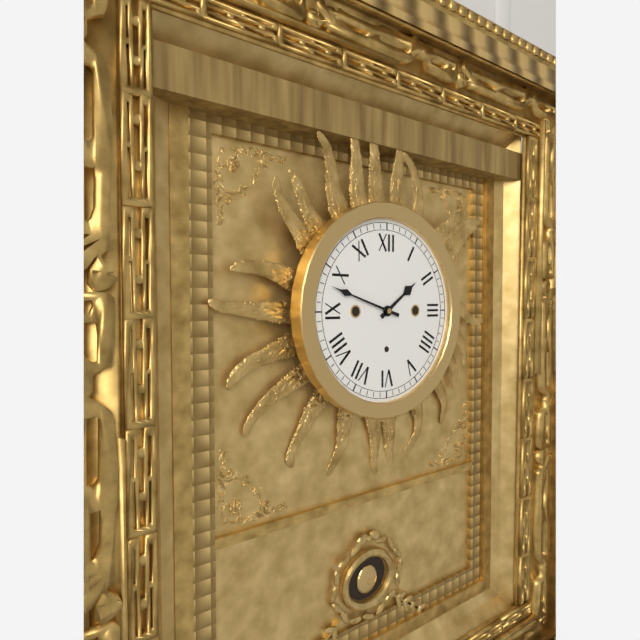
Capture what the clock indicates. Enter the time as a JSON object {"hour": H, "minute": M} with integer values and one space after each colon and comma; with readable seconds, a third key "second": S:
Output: {"hour": 1, "minute": 48}
